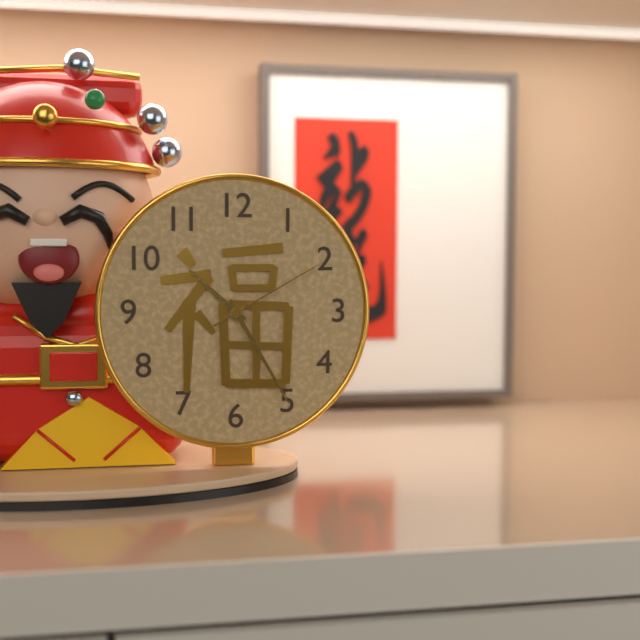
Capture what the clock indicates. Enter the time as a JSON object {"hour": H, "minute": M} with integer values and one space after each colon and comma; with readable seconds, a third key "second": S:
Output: {"hour": 10, "minute": 25, "second": 10}
